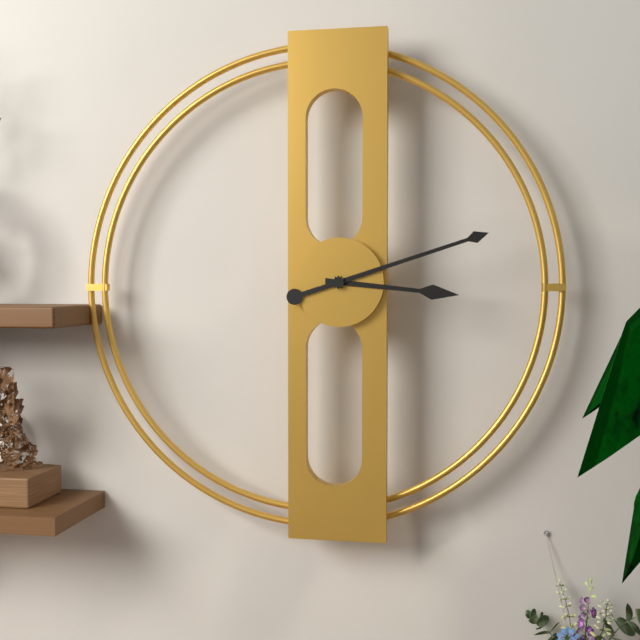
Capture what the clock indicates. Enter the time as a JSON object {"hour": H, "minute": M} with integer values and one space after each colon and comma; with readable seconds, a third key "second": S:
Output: {"hour": 3, "minute": 12}
